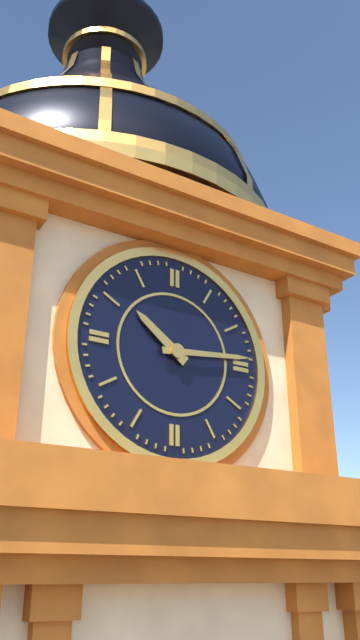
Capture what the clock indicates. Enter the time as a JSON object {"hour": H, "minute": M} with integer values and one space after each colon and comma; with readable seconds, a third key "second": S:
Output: {"hour": 10, "minute": 14}
